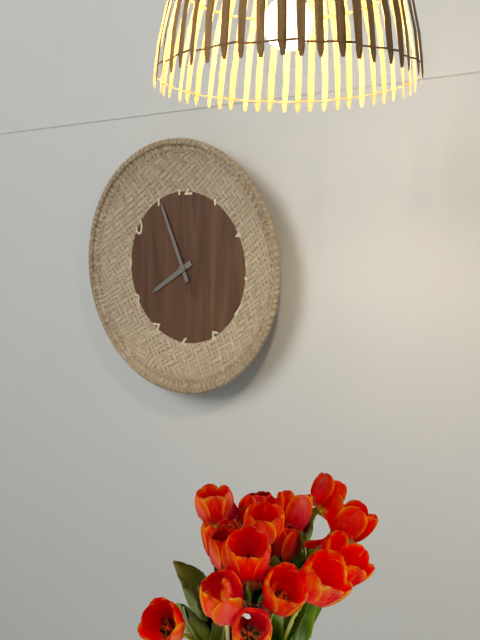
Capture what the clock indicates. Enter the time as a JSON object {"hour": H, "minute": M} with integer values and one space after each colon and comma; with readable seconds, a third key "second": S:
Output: {"hour": 7, "minute": 56}
